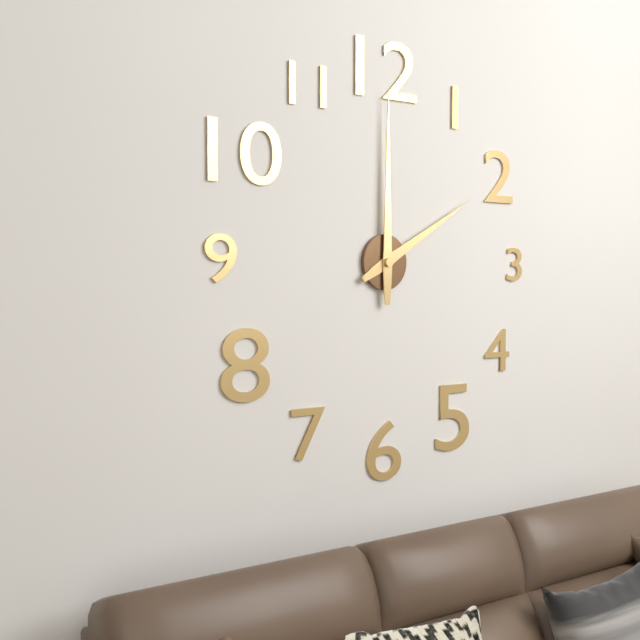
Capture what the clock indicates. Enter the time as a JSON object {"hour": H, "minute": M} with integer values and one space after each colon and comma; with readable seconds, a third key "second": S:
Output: {"hour": 2, "minute": 0}
